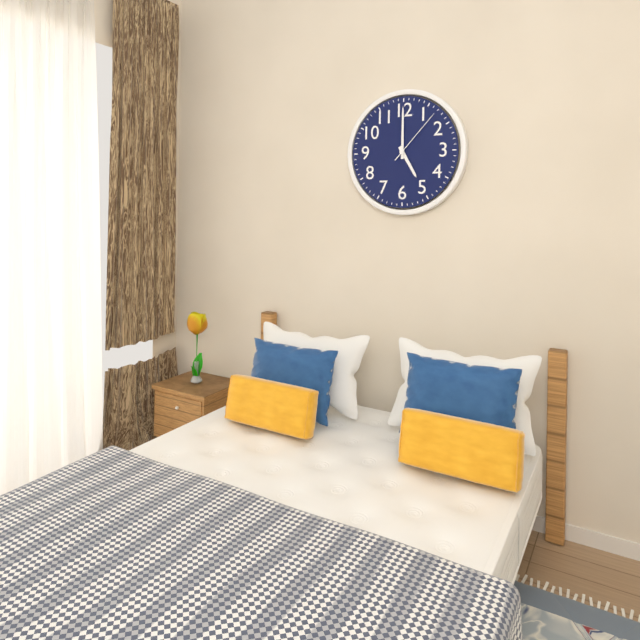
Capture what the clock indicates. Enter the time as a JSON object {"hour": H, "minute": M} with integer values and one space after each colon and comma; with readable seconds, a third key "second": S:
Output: {"hour": 5, "minute": 0, "second": 7}
